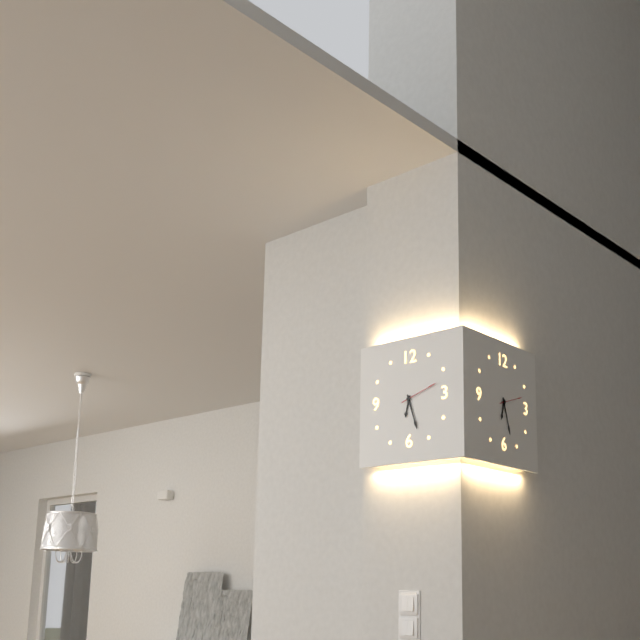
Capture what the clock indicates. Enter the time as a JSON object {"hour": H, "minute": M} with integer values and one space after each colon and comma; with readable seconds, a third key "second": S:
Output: {"hour": 6, "minute": 27}
